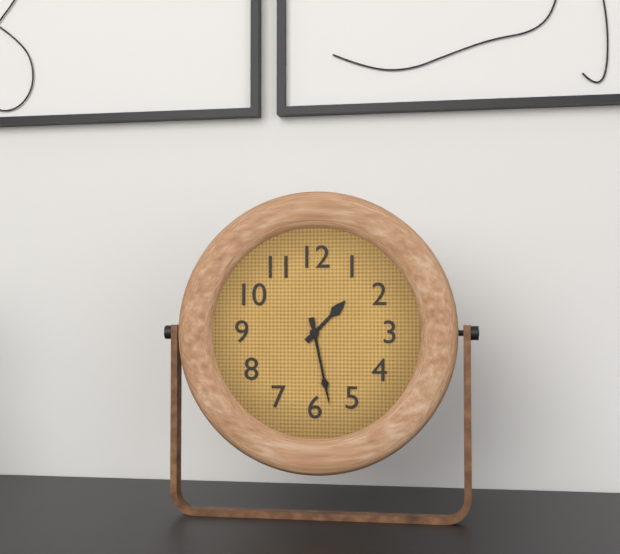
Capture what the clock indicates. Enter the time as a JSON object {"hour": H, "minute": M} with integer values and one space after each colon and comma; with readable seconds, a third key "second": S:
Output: {"hour": 1, "minute": 28}
